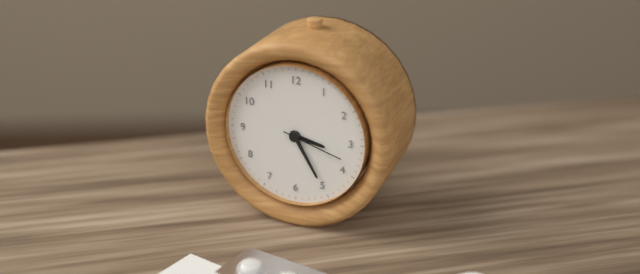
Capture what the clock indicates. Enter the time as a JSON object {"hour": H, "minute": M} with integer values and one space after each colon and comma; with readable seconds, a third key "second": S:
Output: {"hour": 3, "minute": 25, "second": 18}
